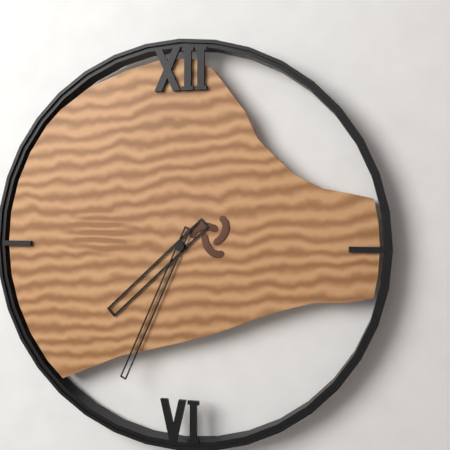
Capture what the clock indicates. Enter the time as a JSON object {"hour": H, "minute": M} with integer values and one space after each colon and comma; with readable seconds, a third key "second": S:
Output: {"hour": 7, "minute": 34}
